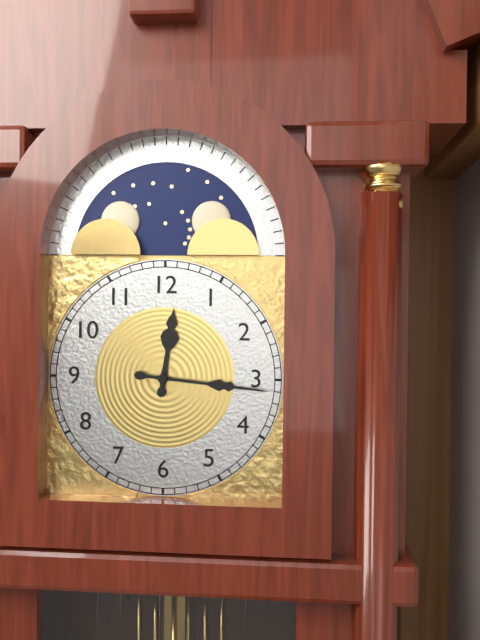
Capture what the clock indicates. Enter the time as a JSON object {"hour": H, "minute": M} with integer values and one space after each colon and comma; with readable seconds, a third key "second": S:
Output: {"hour": 12, "minute": 16}
